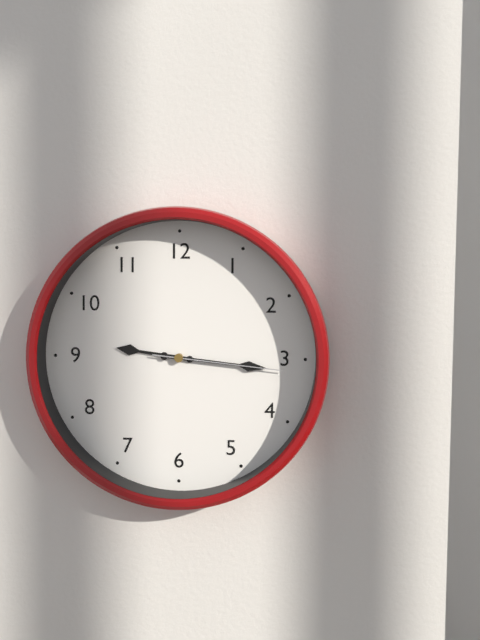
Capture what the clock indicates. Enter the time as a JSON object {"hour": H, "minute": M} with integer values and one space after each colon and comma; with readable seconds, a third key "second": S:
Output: {"hour": 9, "minute": 16, "second": 16}
